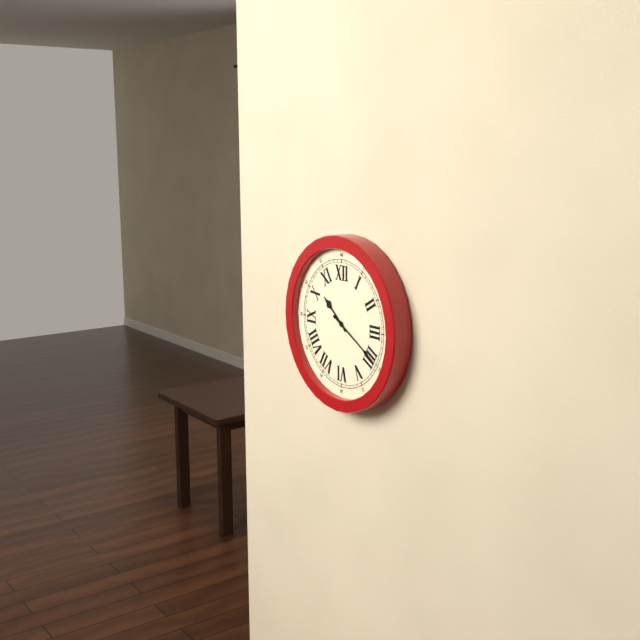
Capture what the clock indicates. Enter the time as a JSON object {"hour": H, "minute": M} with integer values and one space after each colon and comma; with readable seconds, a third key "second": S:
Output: {"hour": 10, "minute": 20}
